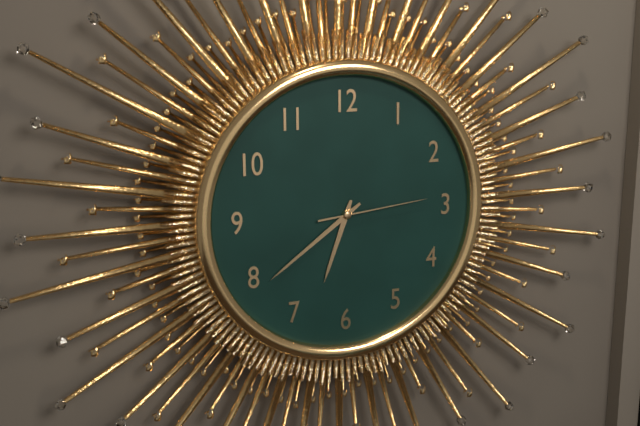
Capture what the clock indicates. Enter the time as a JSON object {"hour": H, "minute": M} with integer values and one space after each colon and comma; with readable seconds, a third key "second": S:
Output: {"hour": 6, "minute": 39, "second": 14}
